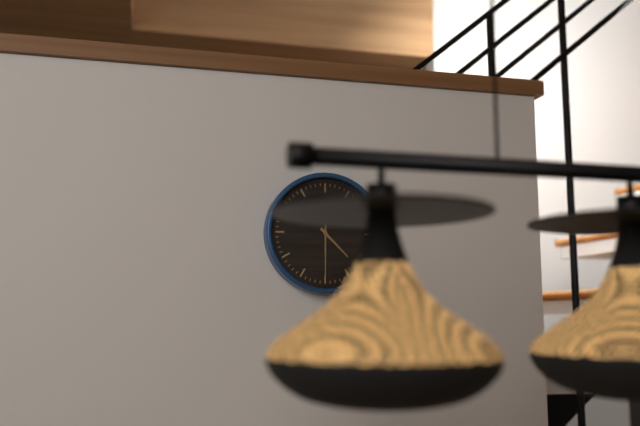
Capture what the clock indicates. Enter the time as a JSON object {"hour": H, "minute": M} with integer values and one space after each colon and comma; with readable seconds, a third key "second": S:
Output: {"hour": 4, "minute": 30}
